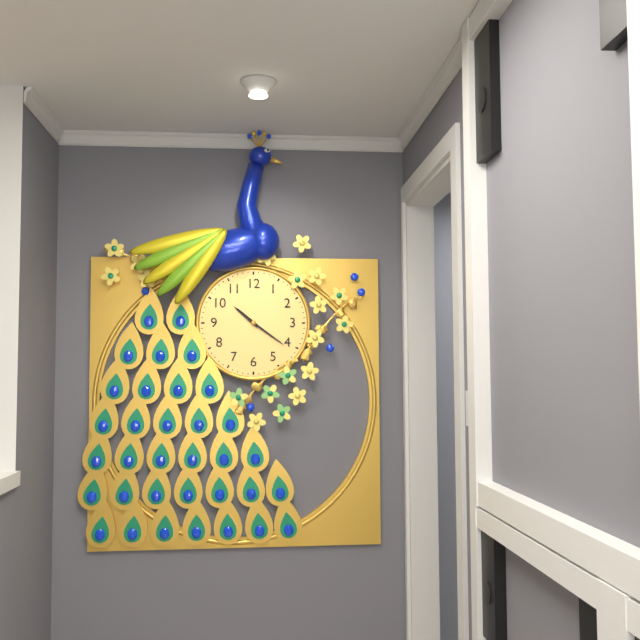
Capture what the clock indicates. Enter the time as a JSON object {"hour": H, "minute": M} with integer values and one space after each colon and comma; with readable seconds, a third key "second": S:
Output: {"hour": 10, "minute": 21}
